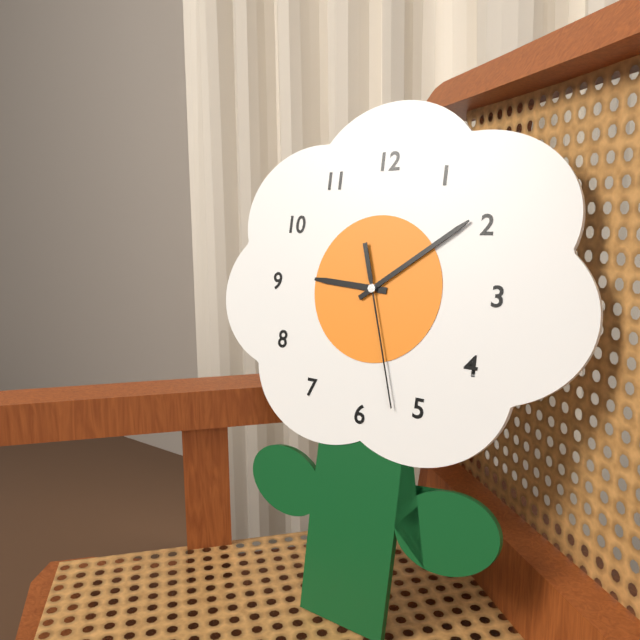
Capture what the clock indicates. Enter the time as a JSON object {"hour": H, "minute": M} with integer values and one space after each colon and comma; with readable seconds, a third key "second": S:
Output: {"hour": 9, "minute": 9, "second": 27}
